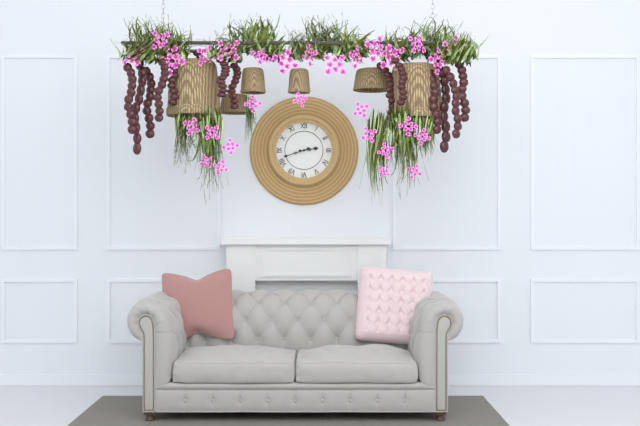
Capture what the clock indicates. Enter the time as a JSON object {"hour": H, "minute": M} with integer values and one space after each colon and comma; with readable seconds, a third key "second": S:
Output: {"hour": 2, "minute": 42}
